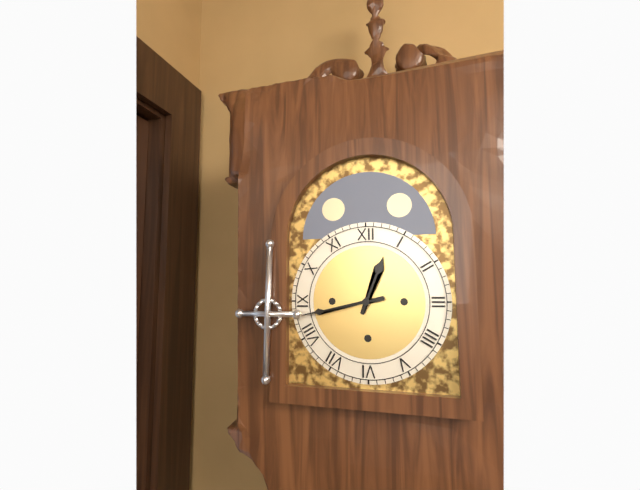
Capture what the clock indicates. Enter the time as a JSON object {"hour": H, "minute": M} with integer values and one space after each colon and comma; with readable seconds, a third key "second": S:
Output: {"hour": 12, "minute": 43}
